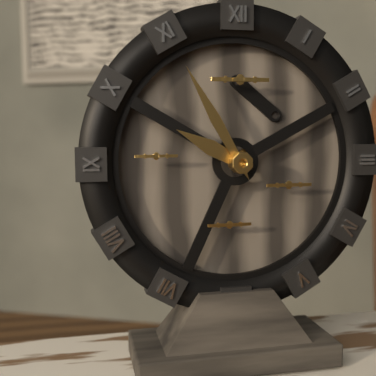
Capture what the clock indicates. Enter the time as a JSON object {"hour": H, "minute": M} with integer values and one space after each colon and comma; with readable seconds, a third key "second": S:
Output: {"hour": 9, "minute": 55}
